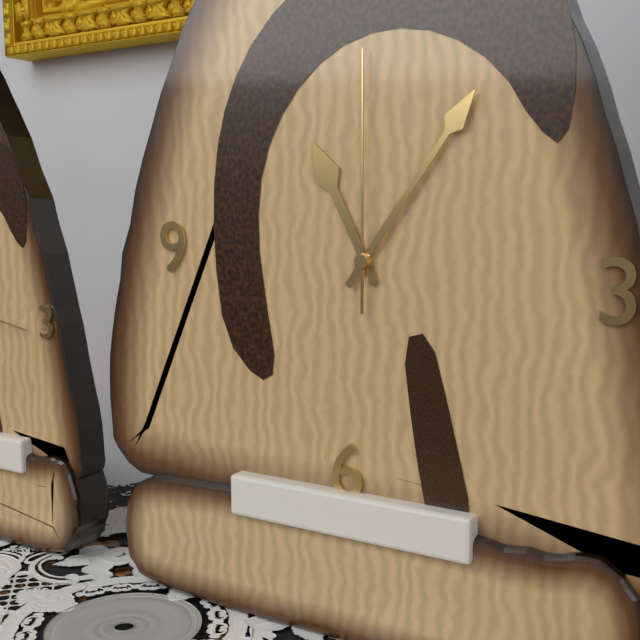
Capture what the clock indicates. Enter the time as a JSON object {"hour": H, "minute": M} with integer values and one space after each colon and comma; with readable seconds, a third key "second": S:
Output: {"hour": 11, "minute": 6, "second": 0}
